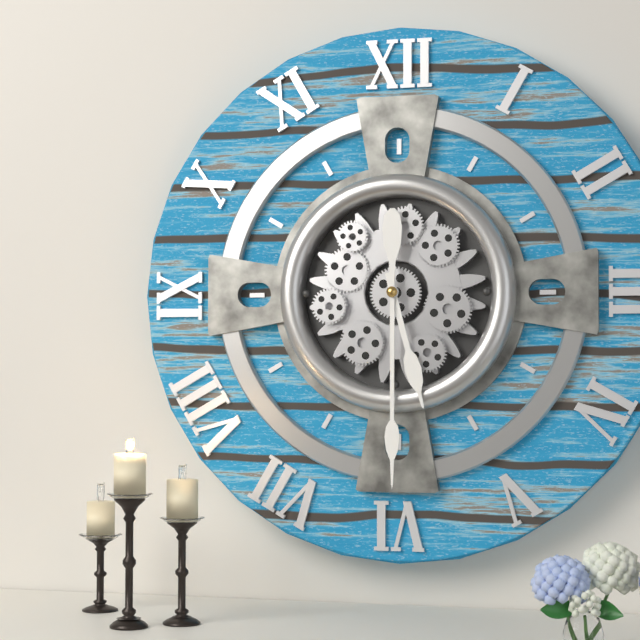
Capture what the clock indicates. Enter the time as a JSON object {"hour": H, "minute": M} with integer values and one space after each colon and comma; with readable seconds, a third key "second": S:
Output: {"hour": 5, "minute": 30}
